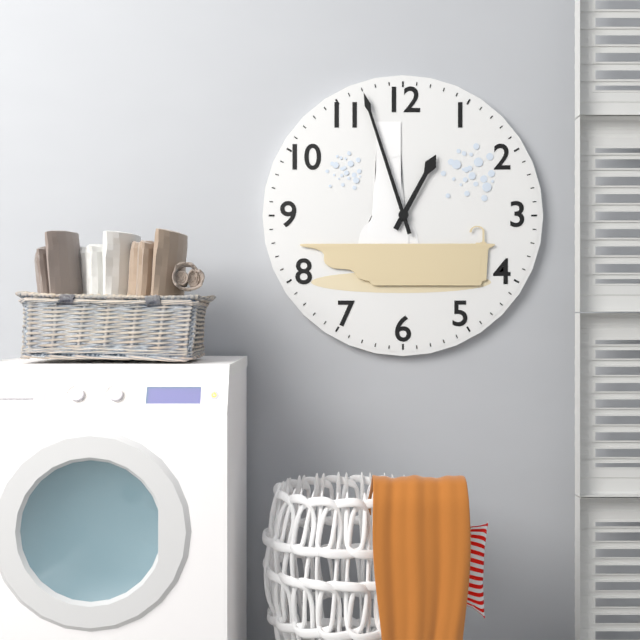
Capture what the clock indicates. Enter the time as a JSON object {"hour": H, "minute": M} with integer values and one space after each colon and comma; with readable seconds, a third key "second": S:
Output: {"hour": 12, "minute": 57}
